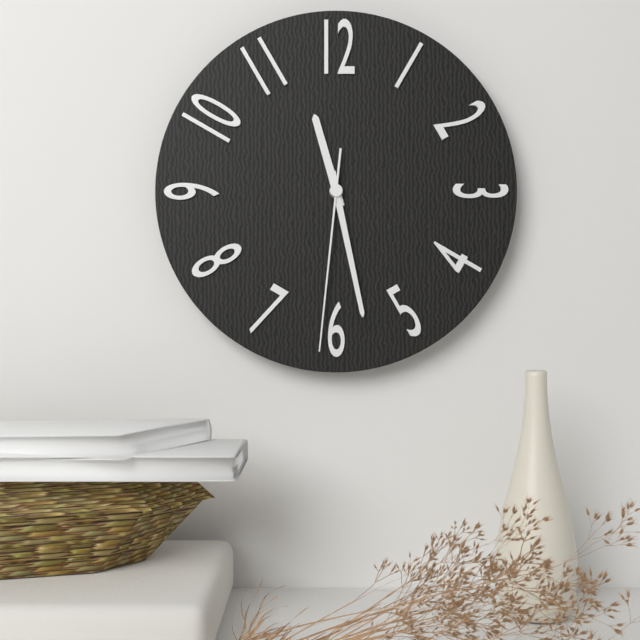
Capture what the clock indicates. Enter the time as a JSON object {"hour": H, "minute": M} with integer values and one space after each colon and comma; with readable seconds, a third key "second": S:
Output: {"hour": 11, "minute": 28, "second": 31}
